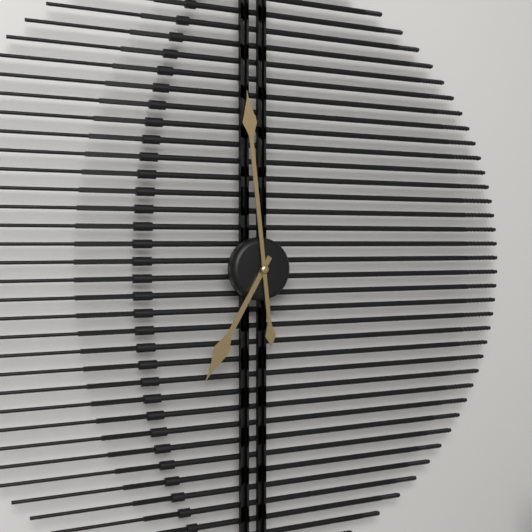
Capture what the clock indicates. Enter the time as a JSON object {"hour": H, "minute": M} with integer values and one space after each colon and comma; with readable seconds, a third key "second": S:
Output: {"hour": 6, "minute": 59}
